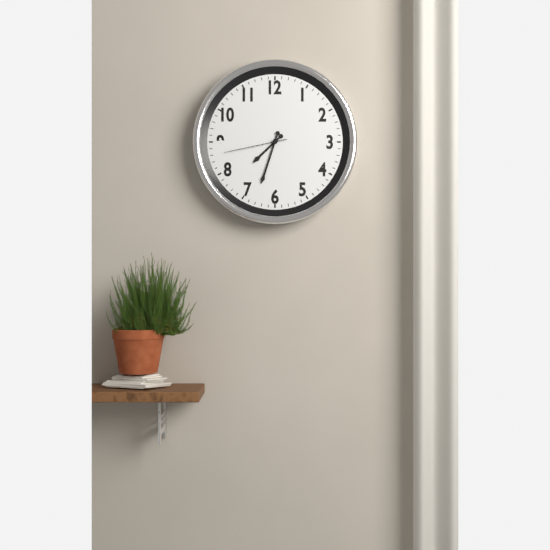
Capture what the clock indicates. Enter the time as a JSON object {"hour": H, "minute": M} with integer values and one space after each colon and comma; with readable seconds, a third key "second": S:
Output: {"hour": 7, "minute": 33, "second": 43}
